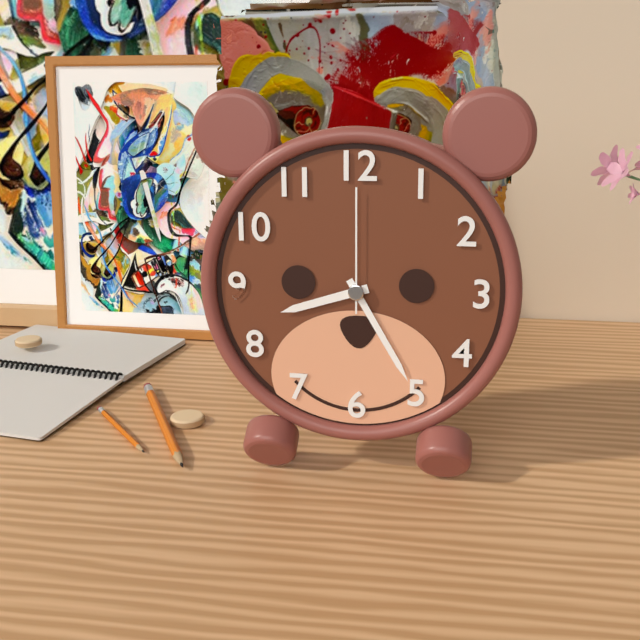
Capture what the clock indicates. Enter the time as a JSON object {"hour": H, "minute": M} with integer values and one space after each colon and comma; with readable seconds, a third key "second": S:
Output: {"hour": 8, "minute": 25, "second": 0}
